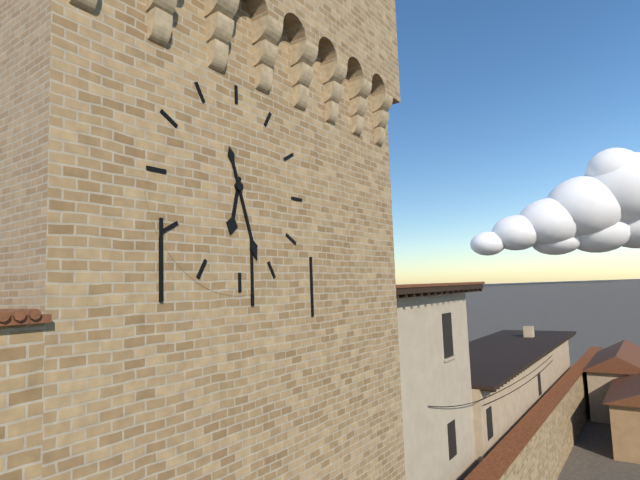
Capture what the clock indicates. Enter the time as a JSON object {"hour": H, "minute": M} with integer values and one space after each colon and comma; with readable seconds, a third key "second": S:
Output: {"hour": 6, "minute": 27}
